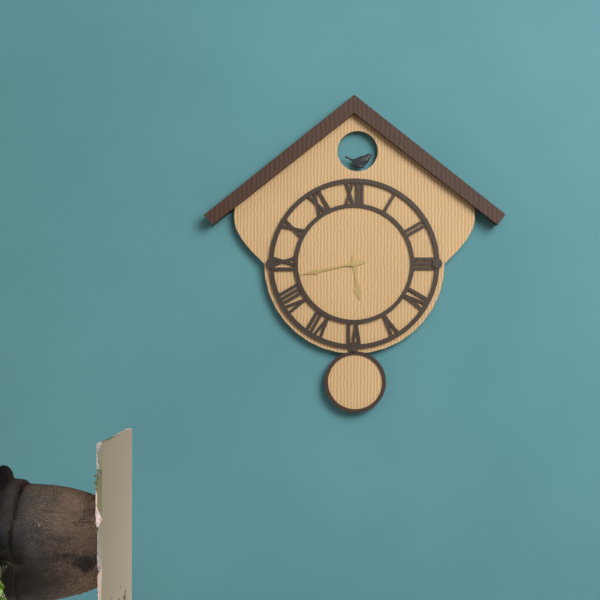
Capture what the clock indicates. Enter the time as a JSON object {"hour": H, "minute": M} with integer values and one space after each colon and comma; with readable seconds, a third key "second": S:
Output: {"hour": 5, "minute": 43}
